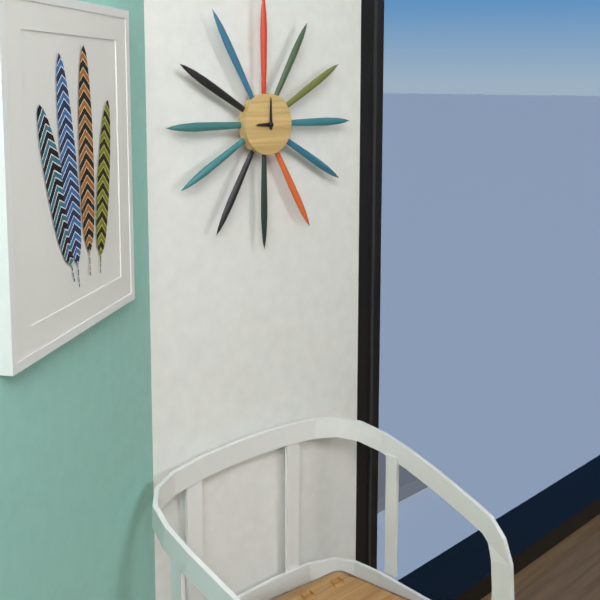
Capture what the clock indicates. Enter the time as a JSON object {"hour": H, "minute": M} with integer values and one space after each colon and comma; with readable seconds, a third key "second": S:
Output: {"hour": 9, "minute": 0}
